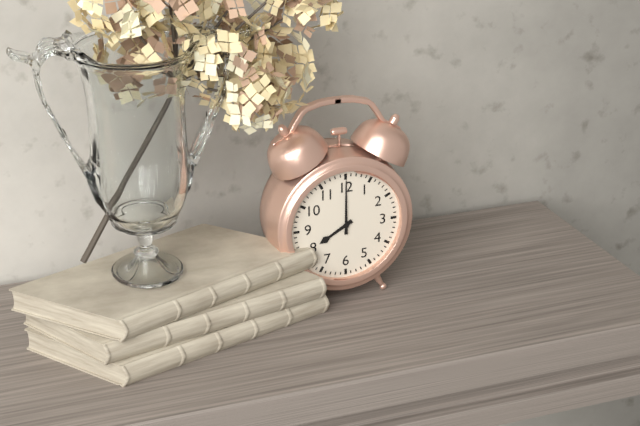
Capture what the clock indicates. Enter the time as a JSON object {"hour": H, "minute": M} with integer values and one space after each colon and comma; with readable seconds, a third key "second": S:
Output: {"hour": 8, "minute": 0}
